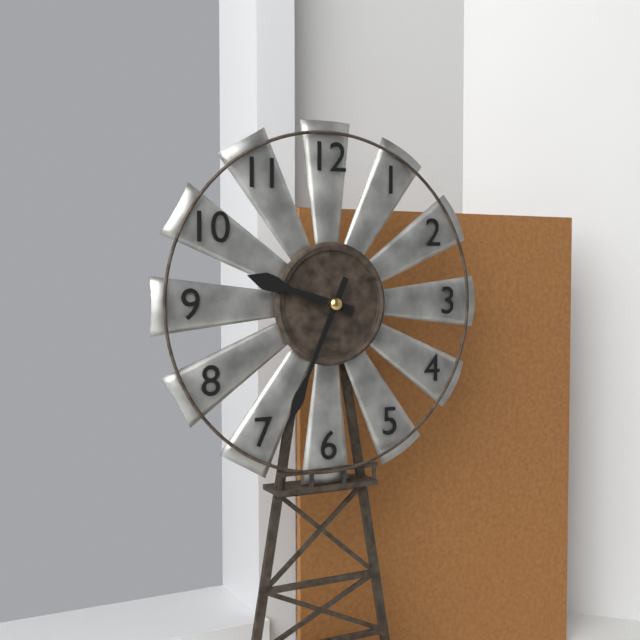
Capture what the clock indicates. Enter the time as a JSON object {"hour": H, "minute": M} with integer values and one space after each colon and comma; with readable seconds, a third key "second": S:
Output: {"hour": 9, "minute": 34}
